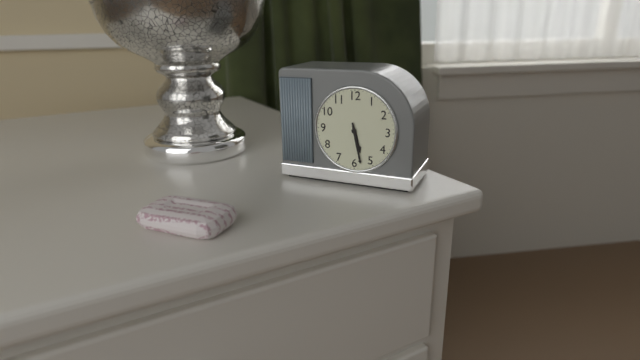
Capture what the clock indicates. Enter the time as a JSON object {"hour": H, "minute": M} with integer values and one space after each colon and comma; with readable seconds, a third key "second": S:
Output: {"hour": 5, "minute": 28}
